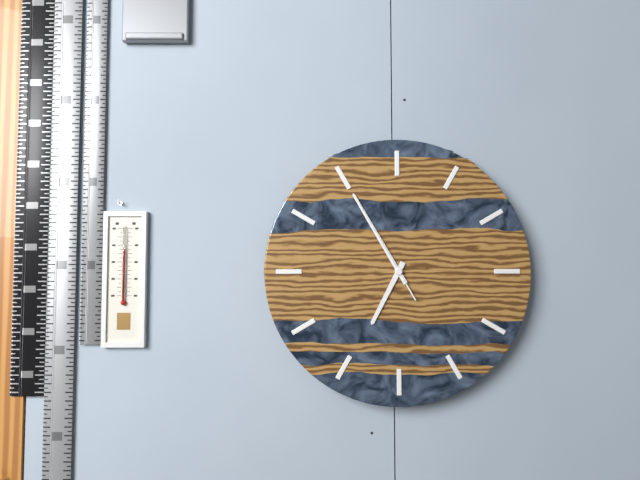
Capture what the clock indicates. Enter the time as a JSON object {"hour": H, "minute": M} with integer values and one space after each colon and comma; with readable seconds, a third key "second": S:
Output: {"hour": 6, "minute": 55, "second": 55}
